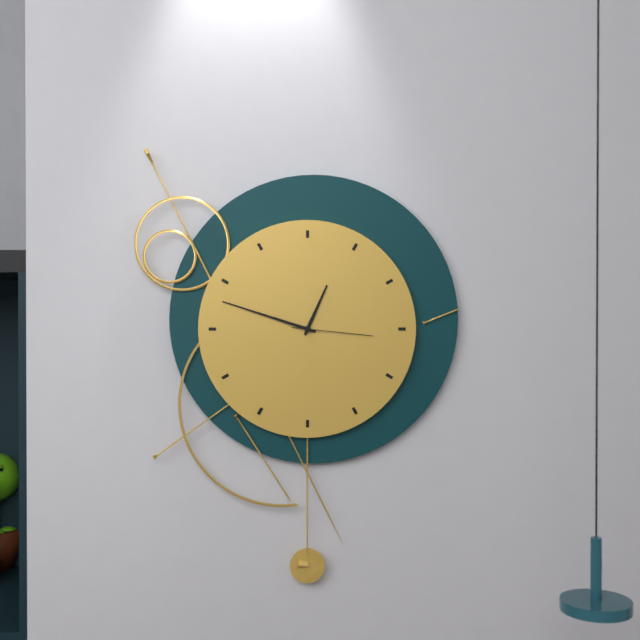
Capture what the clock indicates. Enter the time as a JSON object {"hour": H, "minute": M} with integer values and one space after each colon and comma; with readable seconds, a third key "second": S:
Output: {"hour": 12, "minute": 48, "second": 16}
